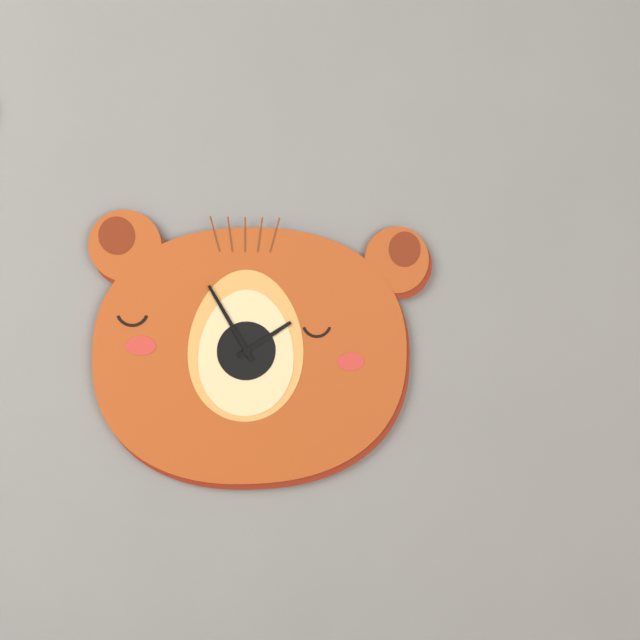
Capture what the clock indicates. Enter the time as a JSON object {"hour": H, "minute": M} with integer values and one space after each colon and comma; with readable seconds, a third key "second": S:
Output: {"hour": 1, "minute": 55}
